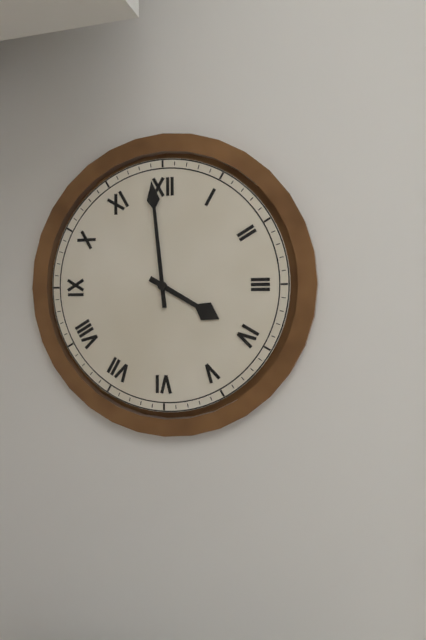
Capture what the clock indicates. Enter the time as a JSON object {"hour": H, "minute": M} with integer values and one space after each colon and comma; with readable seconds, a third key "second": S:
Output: {"hour": 3, "minute": 59}
